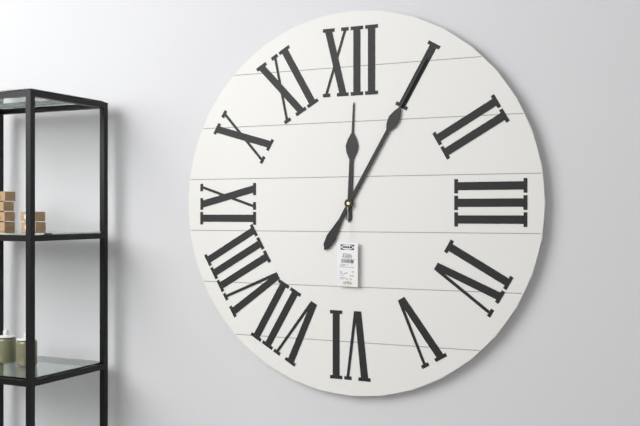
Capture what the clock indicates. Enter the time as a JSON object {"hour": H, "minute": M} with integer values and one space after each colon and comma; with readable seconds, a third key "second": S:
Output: {"hour": 12, "minute": 5}
